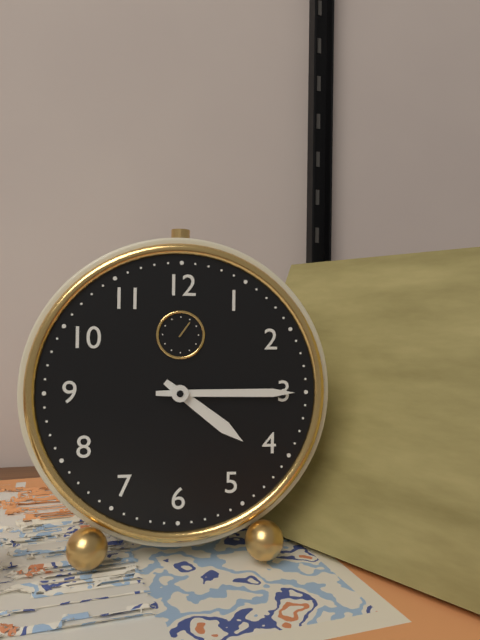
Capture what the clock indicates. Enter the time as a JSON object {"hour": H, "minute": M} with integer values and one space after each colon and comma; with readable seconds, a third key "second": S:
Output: {"hour": 4, "minute": 15}
